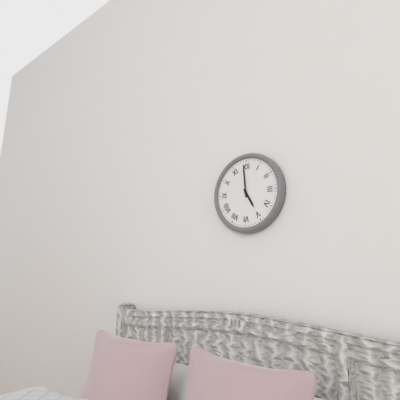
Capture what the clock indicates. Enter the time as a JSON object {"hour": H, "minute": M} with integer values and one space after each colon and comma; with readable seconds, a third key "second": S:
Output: {"hour": 4, "minute": 59}
